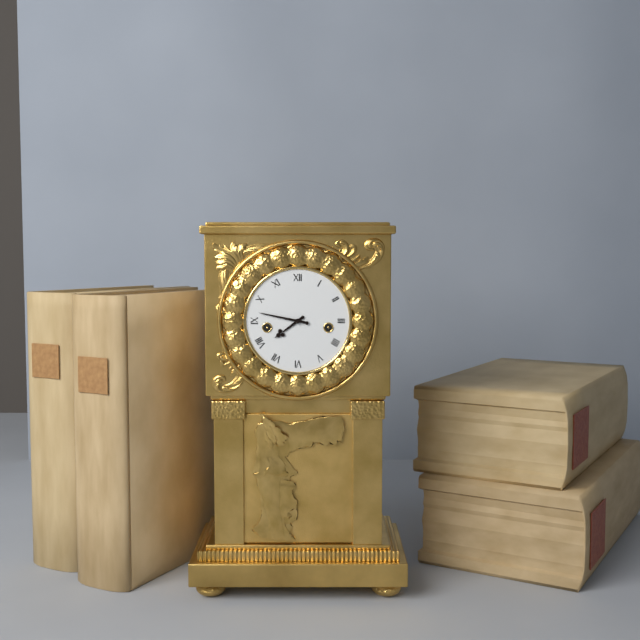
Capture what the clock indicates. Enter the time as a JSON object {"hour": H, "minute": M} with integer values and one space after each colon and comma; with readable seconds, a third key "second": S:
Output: {"hour": 7, "minute": 47}
